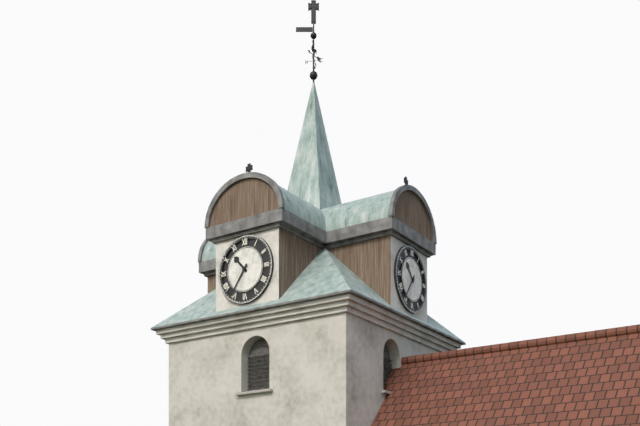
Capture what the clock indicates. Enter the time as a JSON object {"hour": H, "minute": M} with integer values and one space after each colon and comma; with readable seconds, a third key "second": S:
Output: {"hour": 10, "minute": 36}
